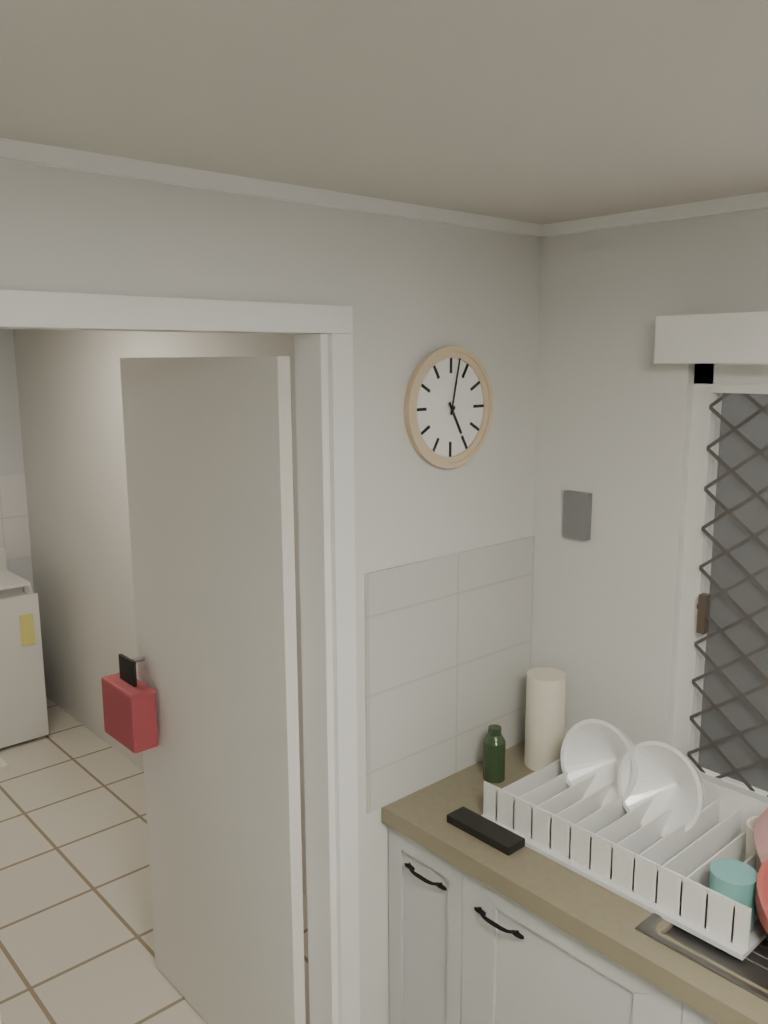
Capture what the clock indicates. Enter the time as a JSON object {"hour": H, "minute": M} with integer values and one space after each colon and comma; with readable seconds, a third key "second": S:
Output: {"hour": 5, "minute": 2}
